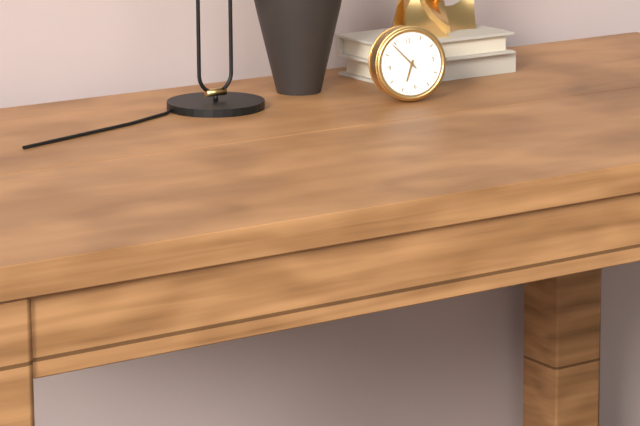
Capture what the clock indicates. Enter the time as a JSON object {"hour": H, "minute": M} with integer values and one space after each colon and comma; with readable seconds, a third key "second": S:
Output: {"hour": 6, "minute": 54}
